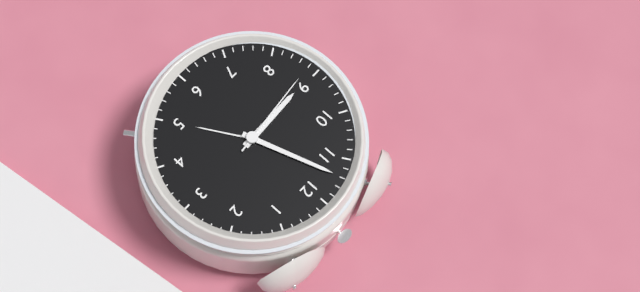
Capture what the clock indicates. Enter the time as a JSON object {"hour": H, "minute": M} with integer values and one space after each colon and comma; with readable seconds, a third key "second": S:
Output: {"hour": 8, "minute": 57, "second": 44}
